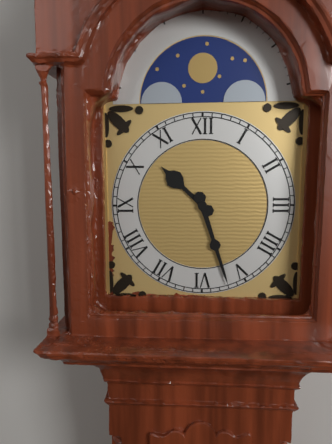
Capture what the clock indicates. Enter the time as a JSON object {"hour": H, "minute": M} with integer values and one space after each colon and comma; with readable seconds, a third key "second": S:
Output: {"hour": 10, "minute": 27}
